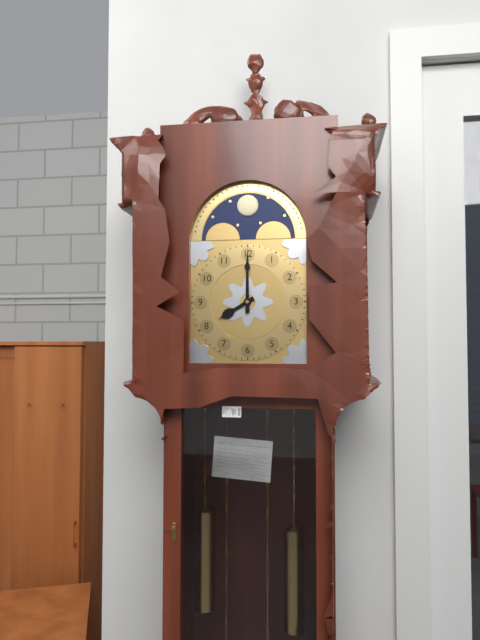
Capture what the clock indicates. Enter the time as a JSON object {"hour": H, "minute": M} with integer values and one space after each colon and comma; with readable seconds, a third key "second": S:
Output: {"hour": 8, "minute": 0}
